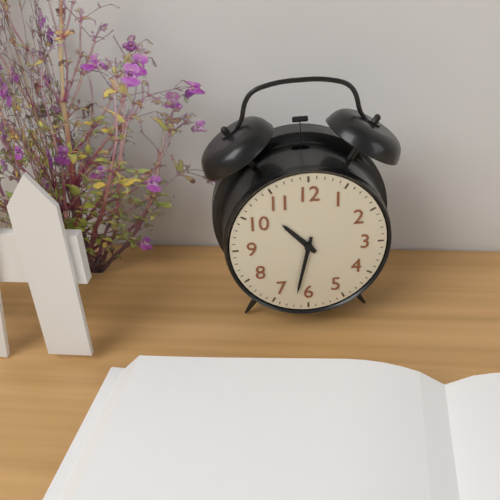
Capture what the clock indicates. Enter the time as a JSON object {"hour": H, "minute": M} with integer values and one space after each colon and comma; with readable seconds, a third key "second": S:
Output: {"hour": 10, "minute": 32}
